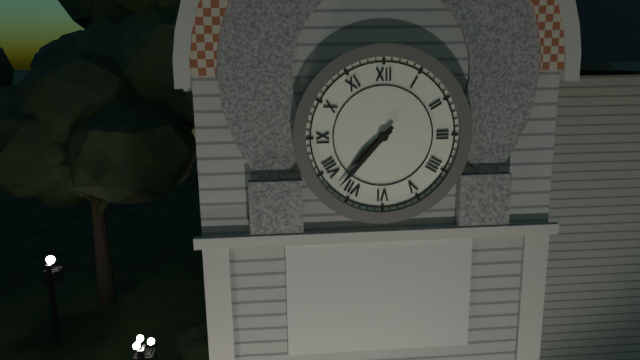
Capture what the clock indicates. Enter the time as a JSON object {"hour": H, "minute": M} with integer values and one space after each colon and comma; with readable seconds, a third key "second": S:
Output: {"hour": 7, "minute": 37}
